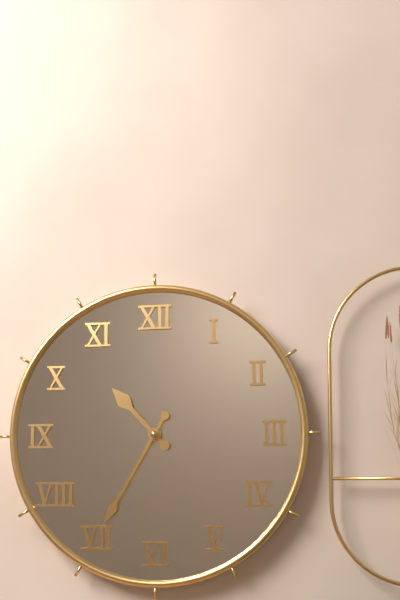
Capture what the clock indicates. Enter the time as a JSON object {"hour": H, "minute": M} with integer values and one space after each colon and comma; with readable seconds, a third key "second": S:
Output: {"hour": 10, "minute": 35}
